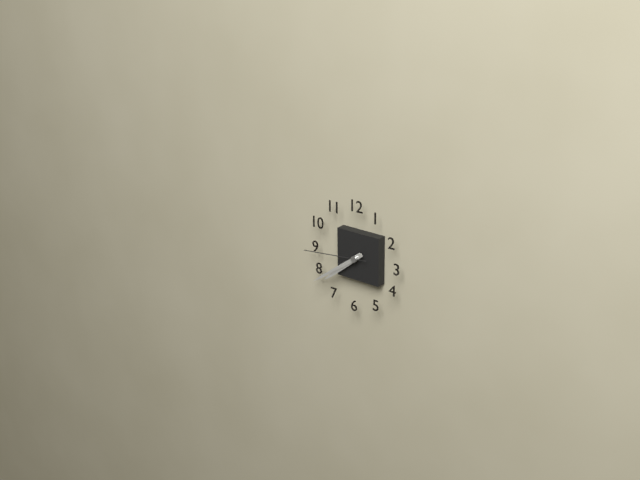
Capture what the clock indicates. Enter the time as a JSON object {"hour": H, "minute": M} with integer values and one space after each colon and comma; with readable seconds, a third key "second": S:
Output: {"hour": 7, "minute": 39, "second": 44}
